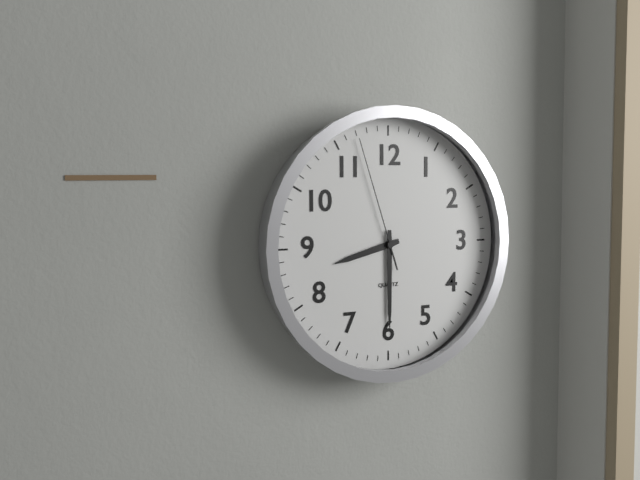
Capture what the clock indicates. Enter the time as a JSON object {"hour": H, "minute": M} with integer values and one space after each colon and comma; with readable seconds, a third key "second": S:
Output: {"hour": 8, "minute": 30, "second": 57}
